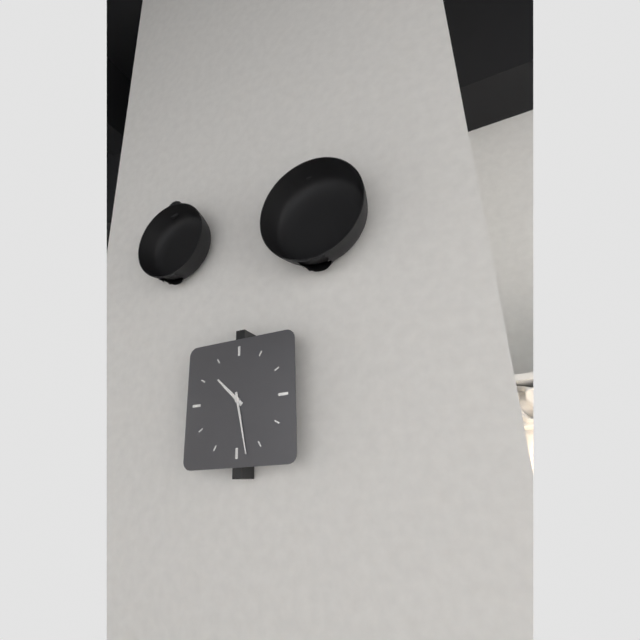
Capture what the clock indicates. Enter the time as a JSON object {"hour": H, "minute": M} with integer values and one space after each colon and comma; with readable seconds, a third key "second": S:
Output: {"hour": 10, "minute": 28}
